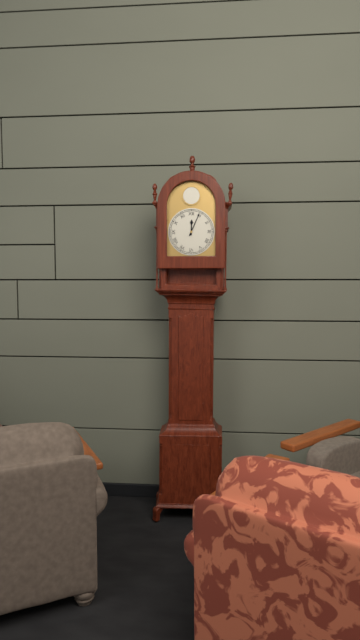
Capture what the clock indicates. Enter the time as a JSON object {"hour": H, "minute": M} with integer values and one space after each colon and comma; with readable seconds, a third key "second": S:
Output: {"hour": 12, "minute": 4}
